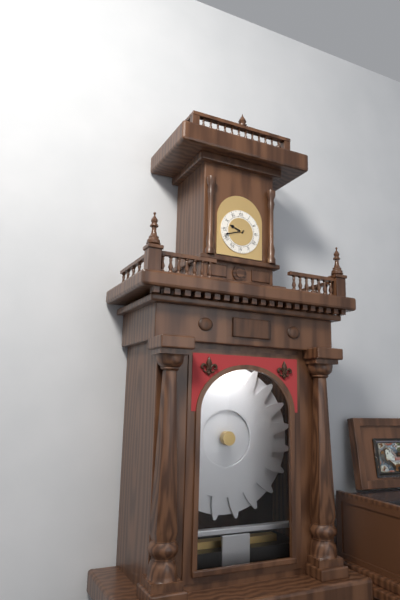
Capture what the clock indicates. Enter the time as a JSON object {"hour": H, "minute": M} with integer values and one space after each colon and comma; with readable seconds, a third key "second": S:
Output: {"hour": 9, "minute": 42}
